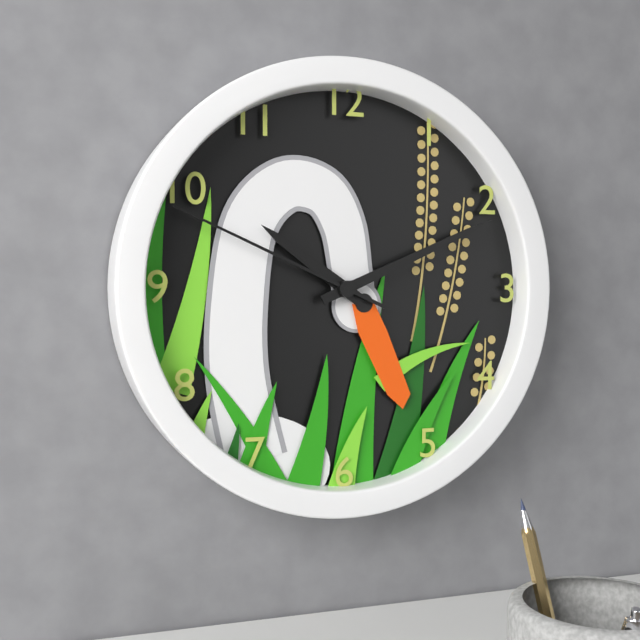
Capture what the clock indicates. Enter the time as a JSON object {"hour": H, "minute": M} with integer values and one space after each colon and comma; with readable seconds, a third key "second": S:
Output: {"hour": 10, "minute": 11, "second": 49}
